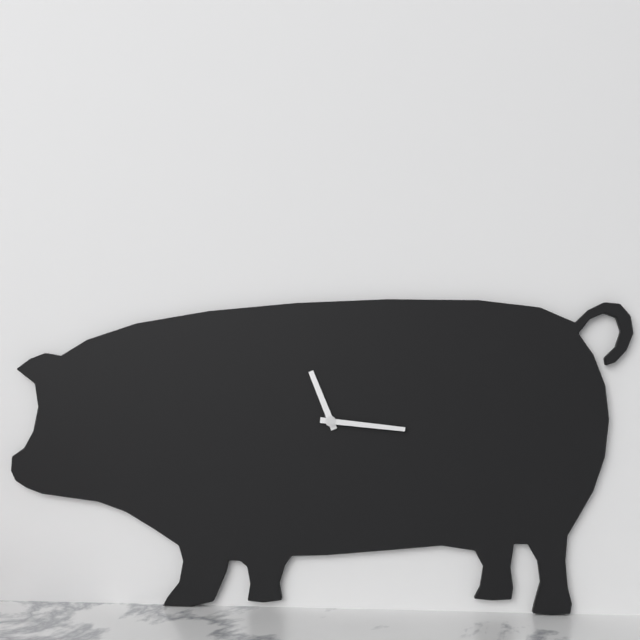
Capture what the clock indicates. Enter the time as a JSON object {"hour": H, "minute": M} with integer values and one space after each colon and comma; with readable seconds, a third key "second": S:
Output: {"hour": 11, "minute": 16}
